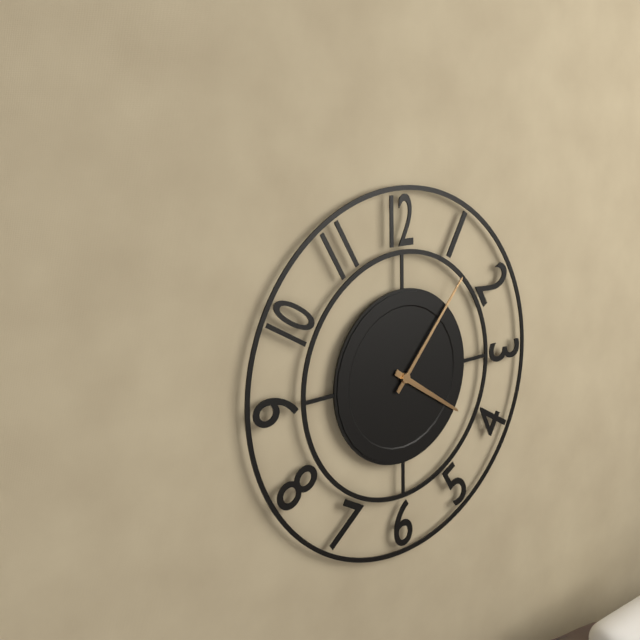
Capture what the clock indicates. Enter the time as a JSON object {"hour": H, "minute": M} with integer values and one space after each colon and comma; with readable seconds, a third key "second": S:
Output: {"hour": 4, "minute": 7}
